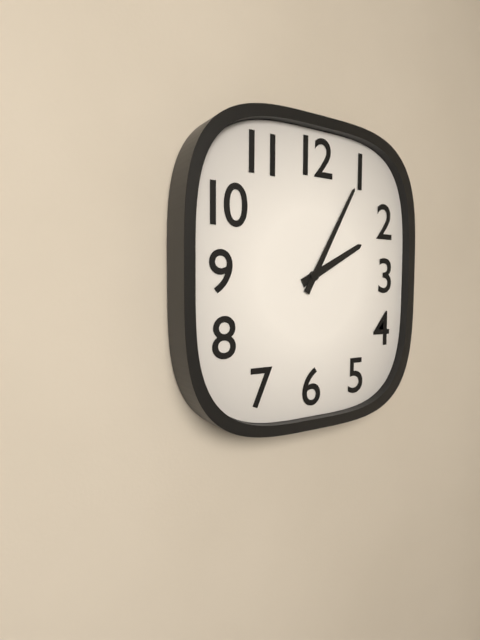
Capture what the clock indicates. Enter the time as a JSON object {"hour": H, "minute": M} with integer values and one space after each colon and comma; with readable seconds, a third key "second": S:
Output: {"hour": 2, "minute": 5}
